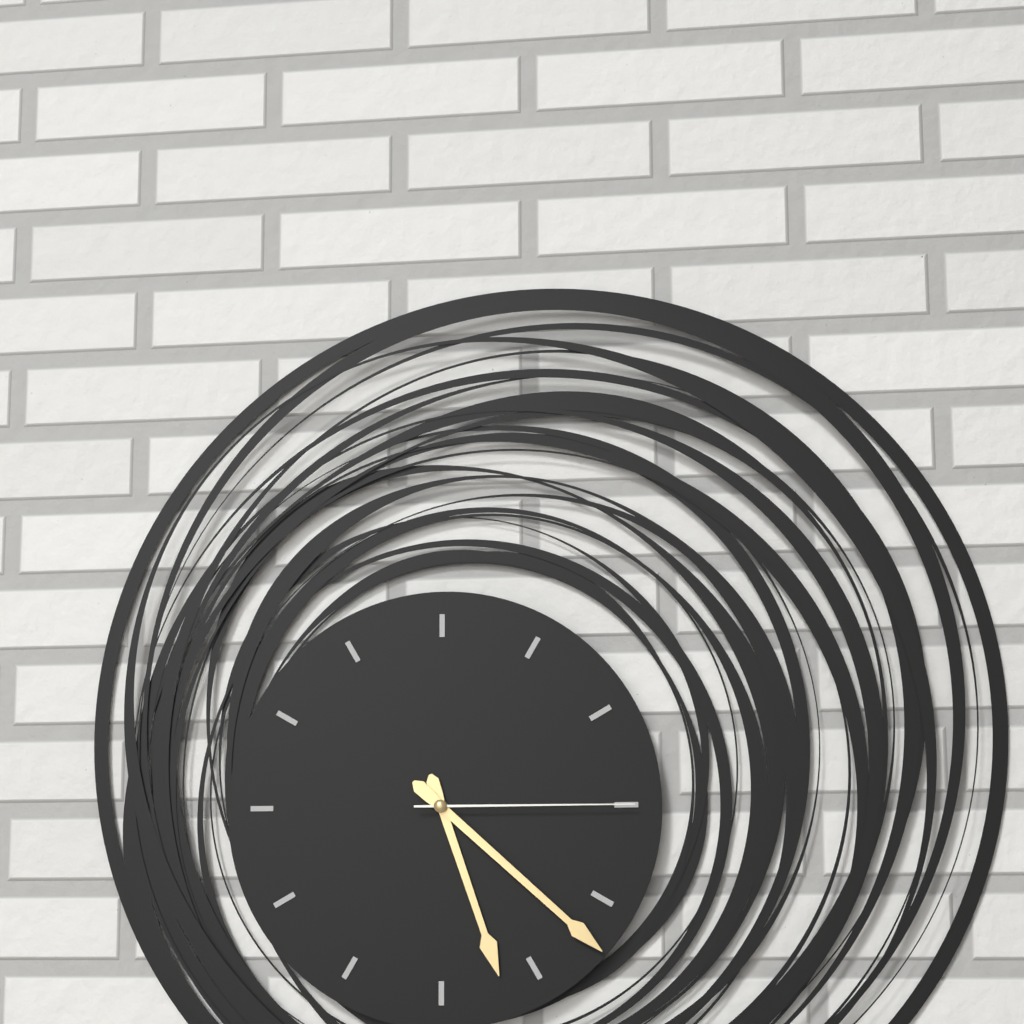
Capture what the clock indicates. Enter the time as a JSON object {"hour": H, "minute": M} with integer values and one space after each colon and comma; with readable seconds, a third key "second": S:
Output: {"hour": 5, "minute": 22, "second": 15}
